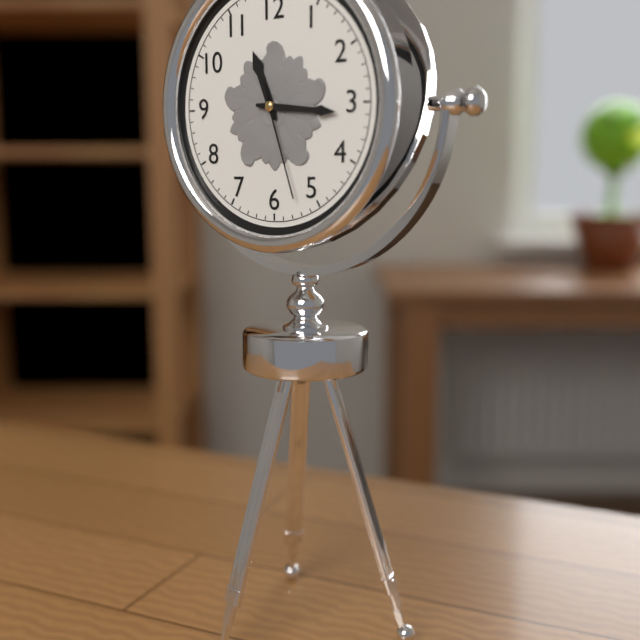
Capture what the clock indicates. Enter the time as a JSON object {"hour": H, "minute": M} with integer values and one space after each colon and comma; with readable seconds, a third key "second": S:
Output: {"hour": 11, "minute": 16, "second": 27}
